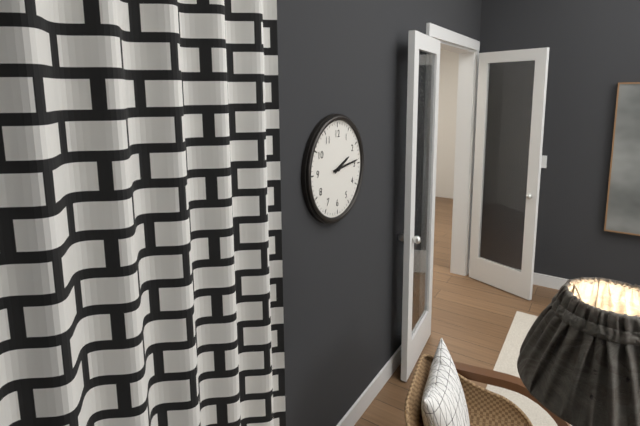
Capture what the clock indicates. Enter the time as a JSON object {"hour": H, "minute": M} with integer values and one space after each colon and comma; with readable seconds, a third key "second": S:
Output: {"hour": 2, "minute": 14}
